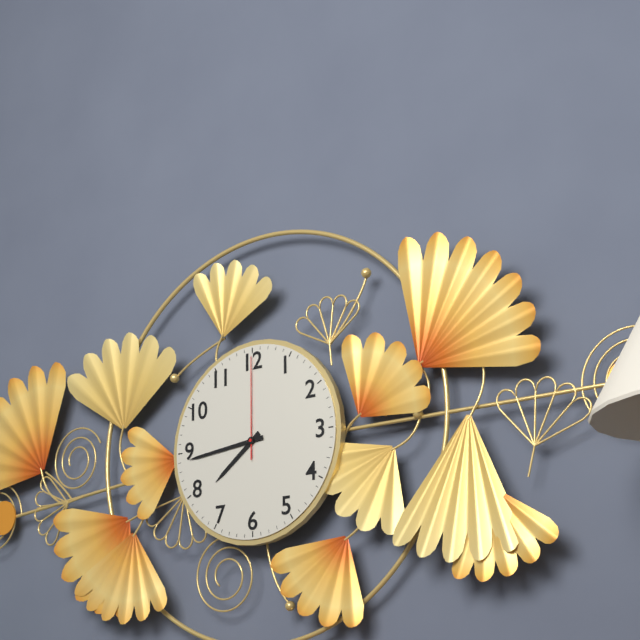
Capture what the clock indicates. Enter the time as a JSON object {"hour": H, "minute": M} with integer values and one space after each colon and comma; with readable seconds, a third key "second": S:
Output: {"hour": 7, "minute": 44, "second": 0}
